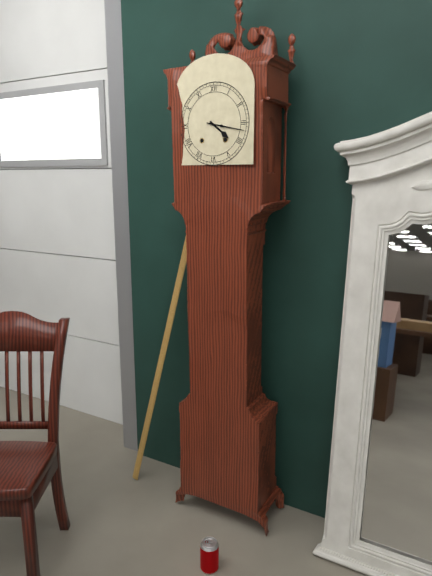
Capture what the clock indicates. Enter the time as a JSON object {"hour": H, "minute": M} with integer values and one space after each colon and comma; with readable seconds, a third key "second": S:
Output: {"hour": 4, "minute": 17}
